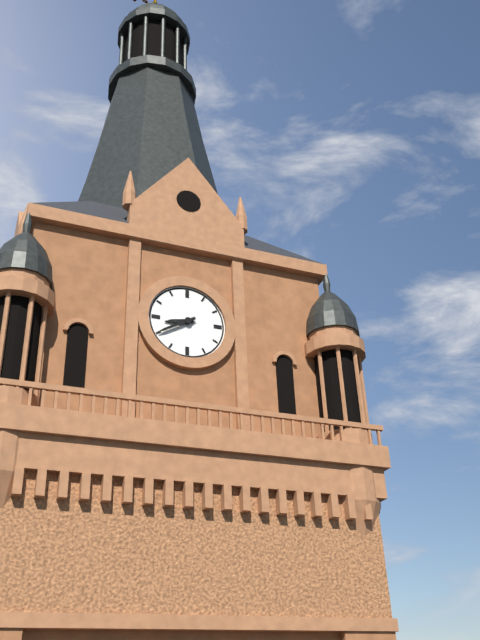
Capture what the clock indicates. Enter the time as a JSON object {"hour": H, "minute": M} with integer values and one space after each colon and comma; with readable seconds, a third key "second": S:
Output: {"hour": 8, "minute": 40}
